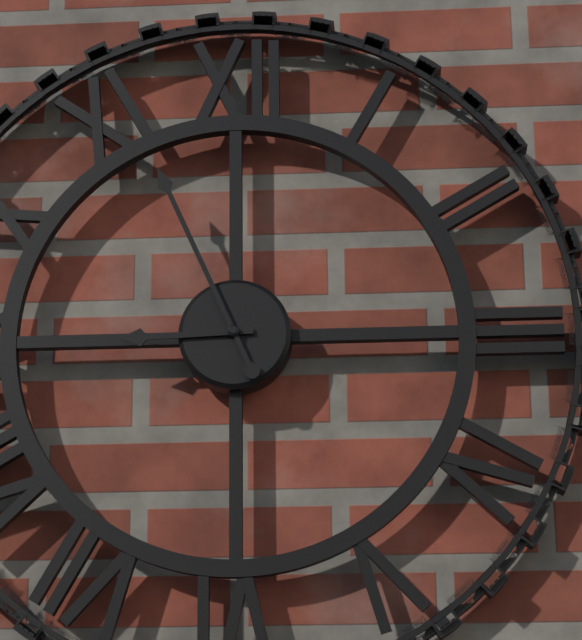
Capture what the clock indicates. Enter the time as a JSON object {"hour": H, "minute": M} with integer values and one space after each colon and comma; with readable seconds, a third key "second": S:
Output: {"hour": 8, "minute": 56}
